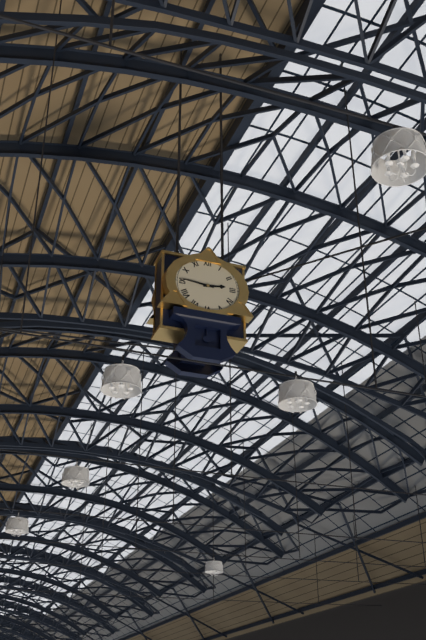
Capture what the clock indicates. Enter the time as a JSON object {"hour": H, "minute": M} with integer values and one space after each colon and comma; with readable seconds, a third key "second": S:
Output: {"hour": 2, "minute": 46}
